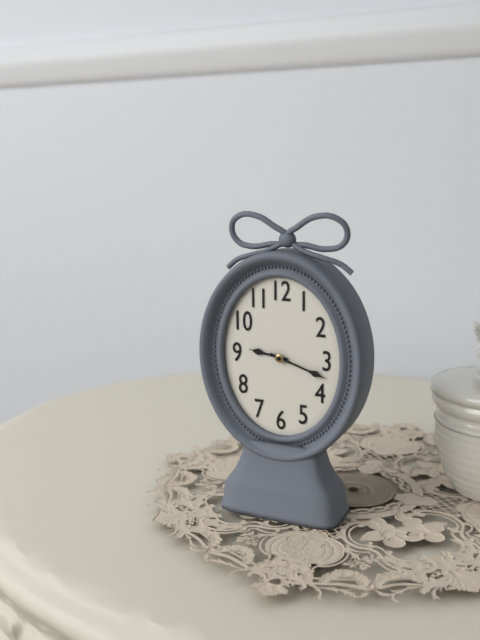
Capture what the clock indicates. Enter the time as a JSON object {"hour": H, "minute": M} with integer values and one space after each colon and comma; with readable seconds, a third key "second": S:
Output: {"hour": 9, "minute": 18}
